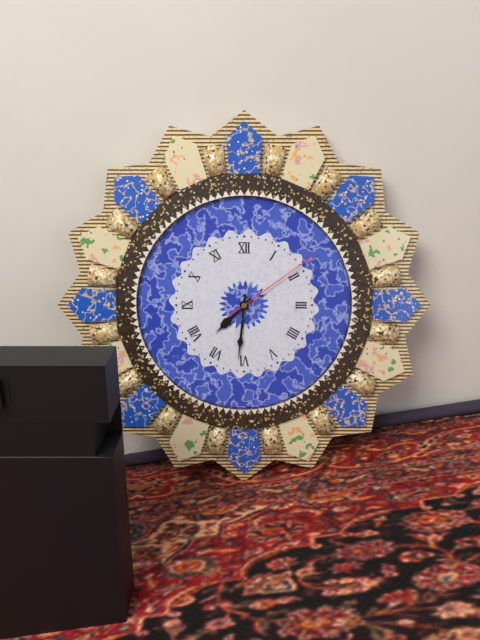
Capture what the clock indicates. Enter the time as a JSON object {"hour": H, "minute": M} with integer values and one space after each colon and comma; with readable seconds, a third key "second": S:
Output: {"hour": 7, "minute": 31, "second": 9}
